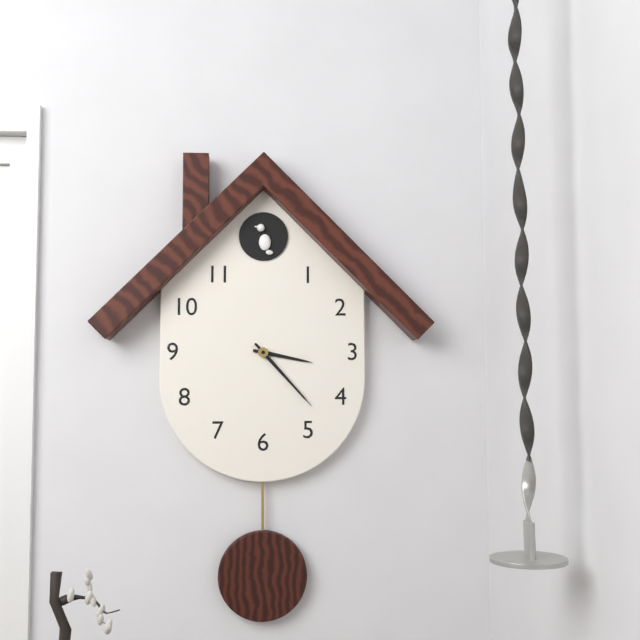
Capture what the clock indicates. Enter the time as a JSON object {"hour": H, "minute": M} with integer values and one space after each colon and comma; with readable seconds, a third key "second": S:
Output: {"hour": 3, "minute": 23}
